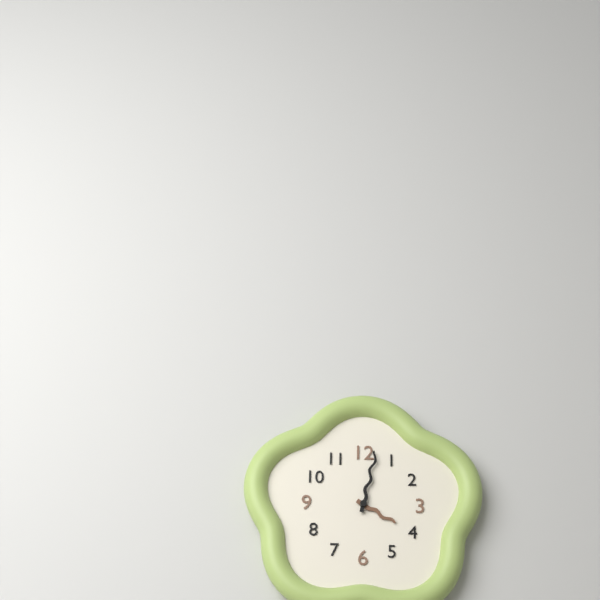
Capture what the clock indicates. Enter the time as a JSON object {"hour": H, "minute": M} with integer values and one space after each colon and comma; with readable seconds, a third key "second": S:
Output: {"hour": 4, "minute": 2}
